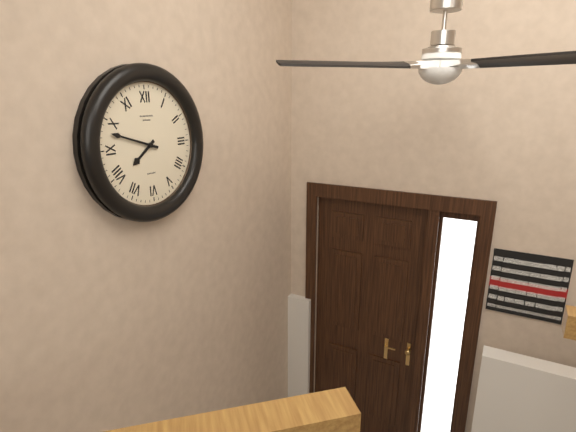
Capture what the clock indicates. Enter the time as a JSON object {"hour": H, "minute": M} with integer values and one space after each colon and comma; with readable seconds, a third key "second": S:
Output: {"hour": 7, "minute": 48}
